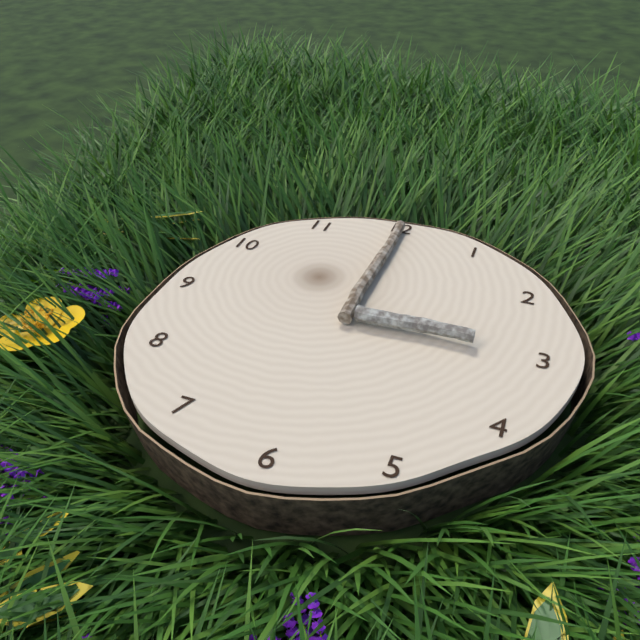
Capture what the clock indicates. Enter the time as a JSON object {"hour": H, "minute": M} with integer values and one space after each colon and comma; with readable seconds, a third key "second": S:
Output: {"hour": 3, "minute": 0}
